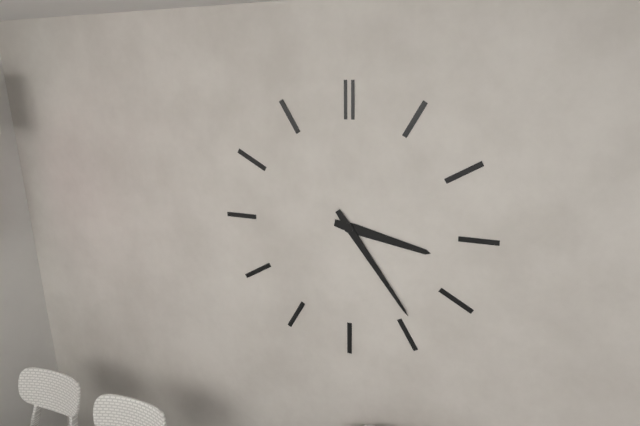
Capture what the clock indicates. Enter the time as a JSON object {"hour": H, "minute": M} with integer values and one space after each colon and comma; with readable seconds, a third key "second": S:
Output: {"hour": 3, "minute": 24}
